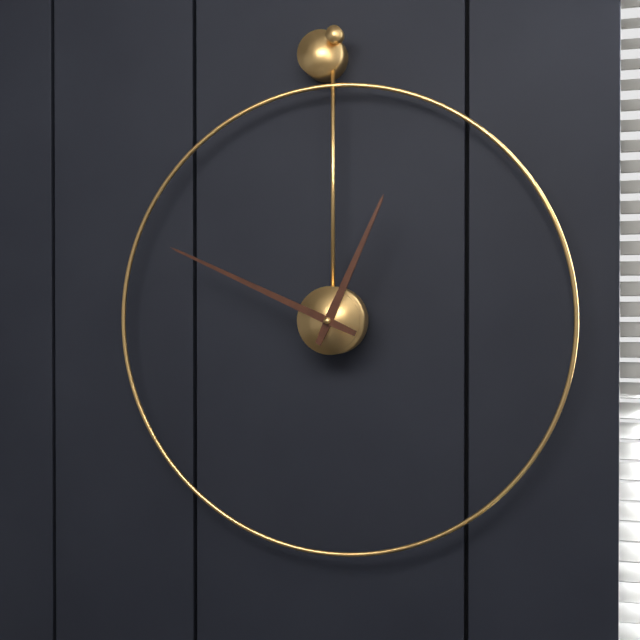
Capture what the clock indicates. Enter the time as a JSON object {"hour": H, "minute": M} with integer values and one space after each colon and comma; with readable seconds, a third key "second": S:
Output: {"hour": 12, "minute": 49}
